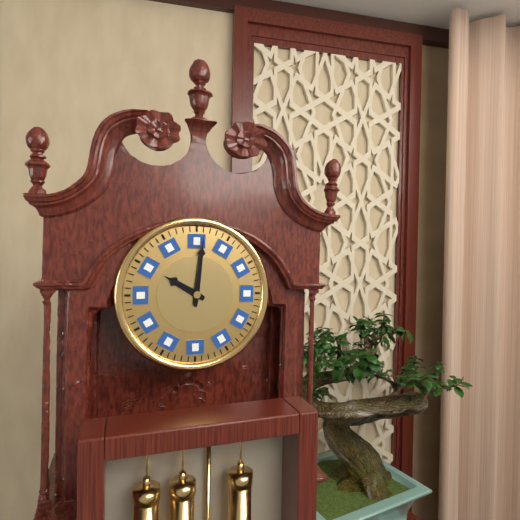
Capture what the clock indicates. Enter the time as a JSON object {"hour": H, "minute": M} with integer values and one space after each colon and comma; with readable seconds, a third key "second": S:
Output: {"hour": 10, "minute": 1}
